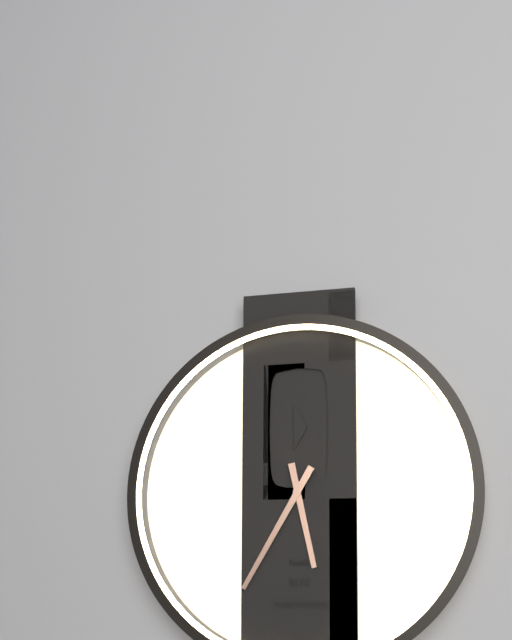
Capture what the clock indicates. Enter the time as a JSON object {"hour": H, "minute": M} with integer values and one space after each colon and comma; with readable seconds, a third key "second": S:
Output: {"hour": 5, "minute": 35}
